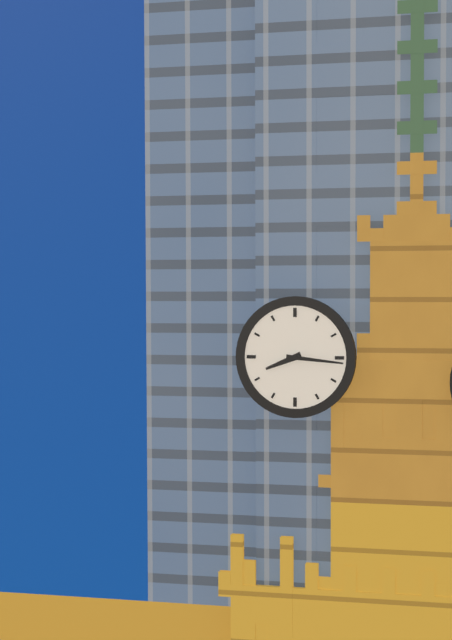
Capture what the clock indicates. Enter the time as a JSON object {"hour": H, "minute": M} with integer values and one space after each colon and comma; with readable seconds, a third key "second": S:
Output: {"hour": 8, "minute": 16}
